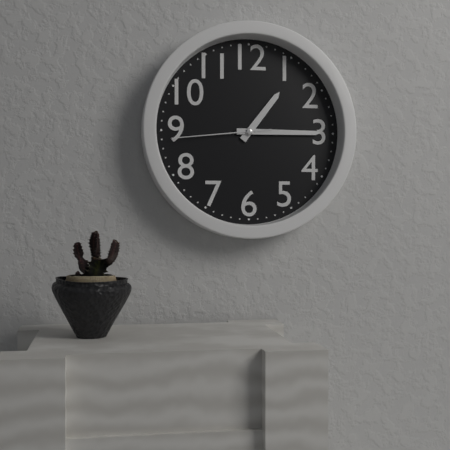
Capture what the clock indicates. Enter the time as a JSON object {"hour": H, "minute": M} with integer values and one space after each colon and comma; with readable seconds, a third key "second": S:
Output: {"hour": 1, "minute": 15, "second": 44}
